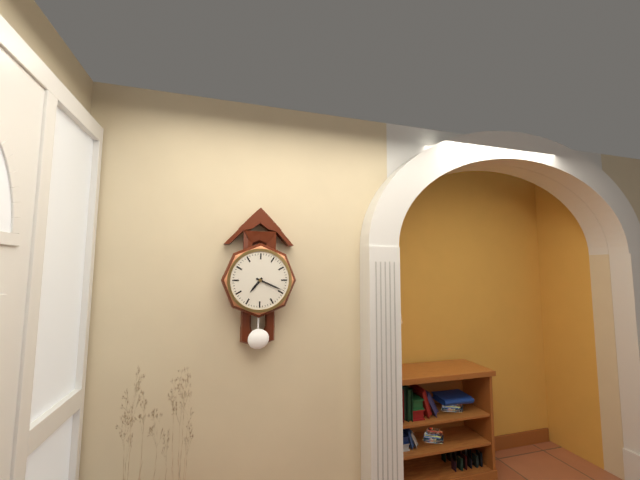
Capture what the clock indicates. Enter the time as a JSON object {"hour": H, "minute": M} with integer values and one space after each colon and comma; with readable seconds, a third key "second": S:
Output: {"hour": 7, "minute": 19}
